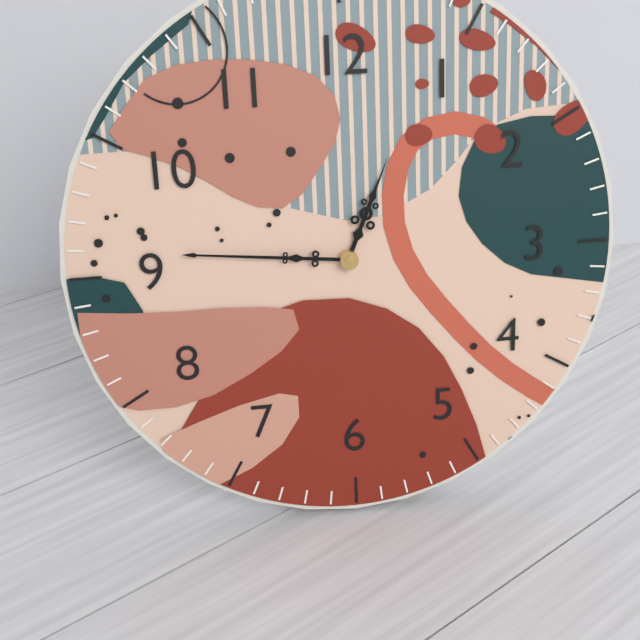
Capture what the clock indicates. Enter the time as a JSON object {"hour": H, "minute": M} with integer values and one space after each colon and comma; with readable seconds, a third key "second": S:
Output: {"hour": 12, "minute": 46}
